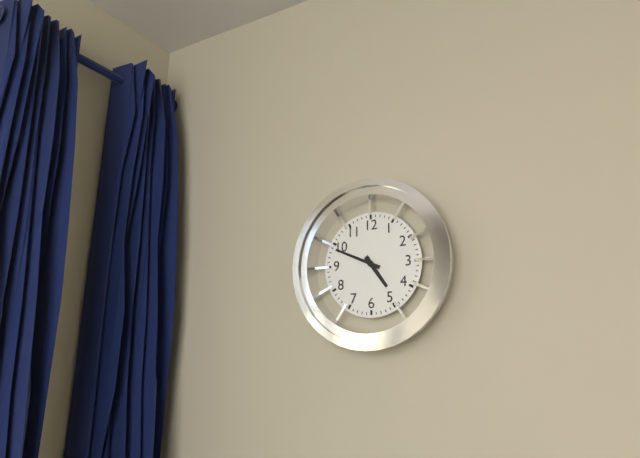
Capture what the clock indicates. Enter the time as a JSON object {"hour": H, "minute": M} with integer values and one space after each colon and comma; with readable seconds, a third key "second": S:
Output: {"hour": 4, "minute": 49}
